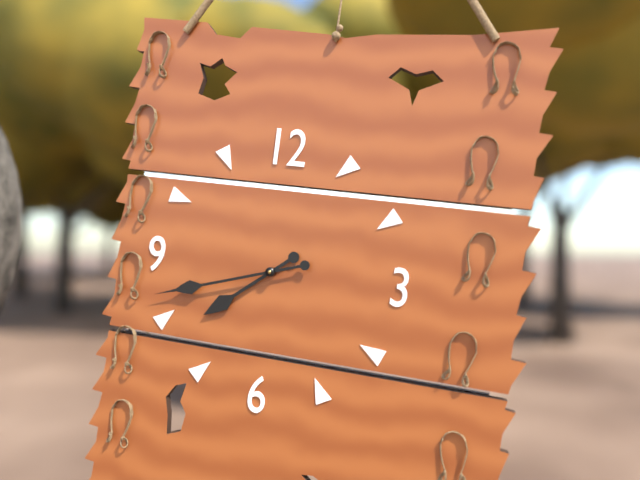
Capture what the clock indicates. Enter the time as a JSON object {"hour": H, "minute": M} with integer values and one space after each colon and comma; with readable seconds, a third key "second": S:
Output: {"hour": 7, "minute": 42}
